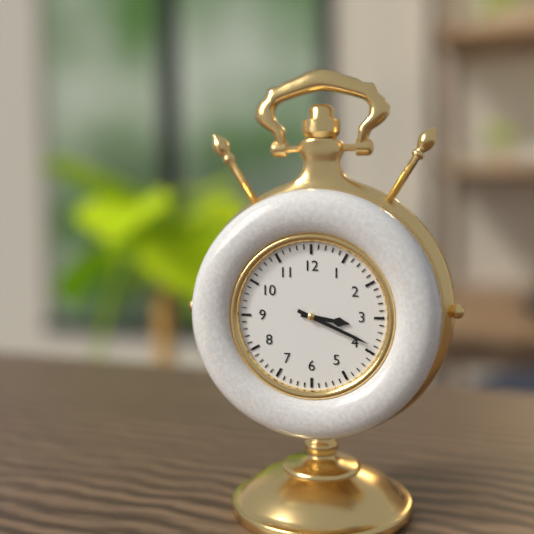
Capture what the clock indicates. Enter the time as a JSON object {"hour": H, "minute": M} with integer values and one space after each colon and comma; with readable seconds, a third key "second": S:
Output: {"hour": 3, "minute": 19}
